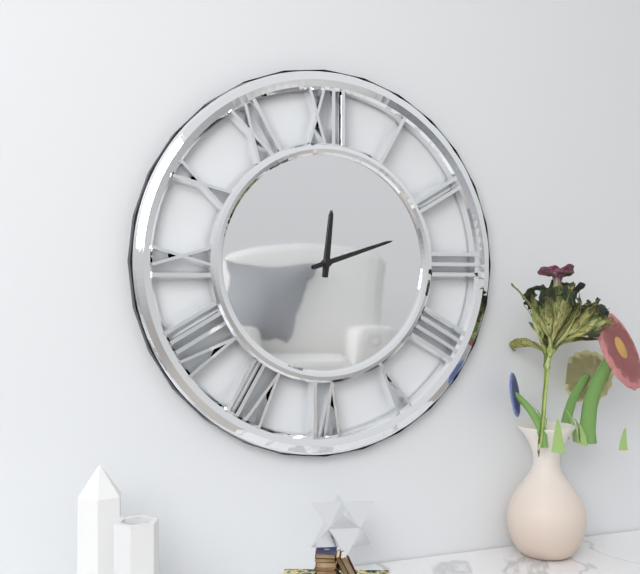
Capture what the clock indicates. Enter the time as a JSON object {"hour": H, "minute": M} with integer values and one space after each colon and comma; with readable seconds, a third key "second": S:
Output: {"hour": 12, "minute": 12}
